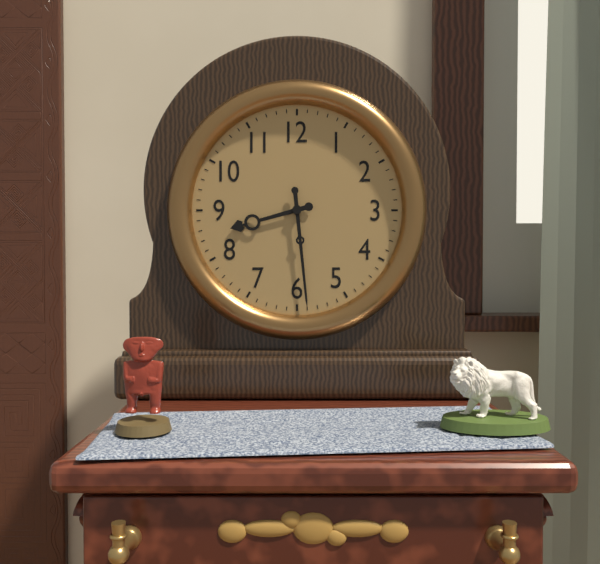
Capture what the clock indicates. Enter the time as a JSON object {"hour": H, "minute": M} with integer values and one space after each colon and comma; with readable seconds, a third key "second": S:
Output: {"hour": 8, "minute": 29}
